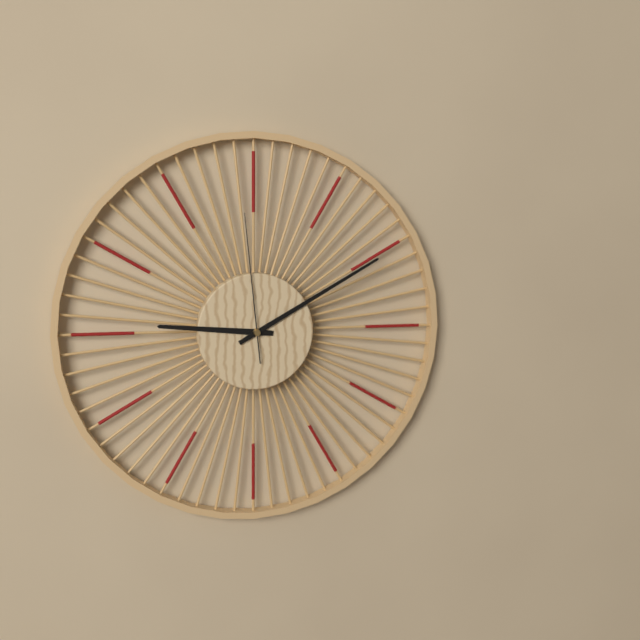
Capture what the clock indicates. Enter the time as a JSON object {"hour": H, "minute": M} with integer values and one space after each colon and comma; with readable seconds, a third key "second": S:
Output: {"hour": 9, "minute": 10, "second": 59}
